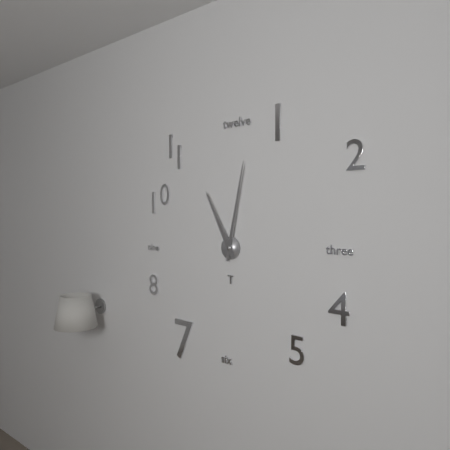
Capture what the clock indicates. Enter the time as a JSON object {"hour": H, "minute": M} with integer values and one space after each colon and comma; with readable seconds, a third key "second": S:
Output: {"hour": 11, "minute": 2}
